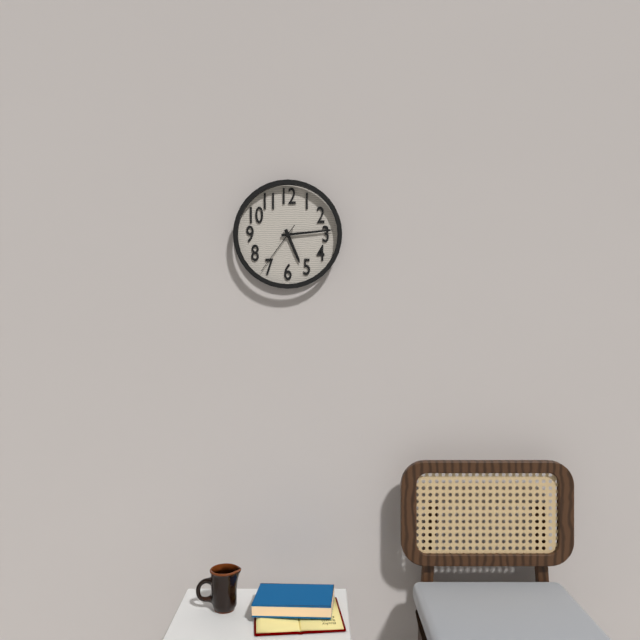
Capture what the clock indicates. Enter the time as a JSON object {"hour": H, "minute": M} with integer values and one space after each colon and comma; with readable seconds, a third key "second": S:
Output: {"hour": 5, "minute": 14, "second": 36}
